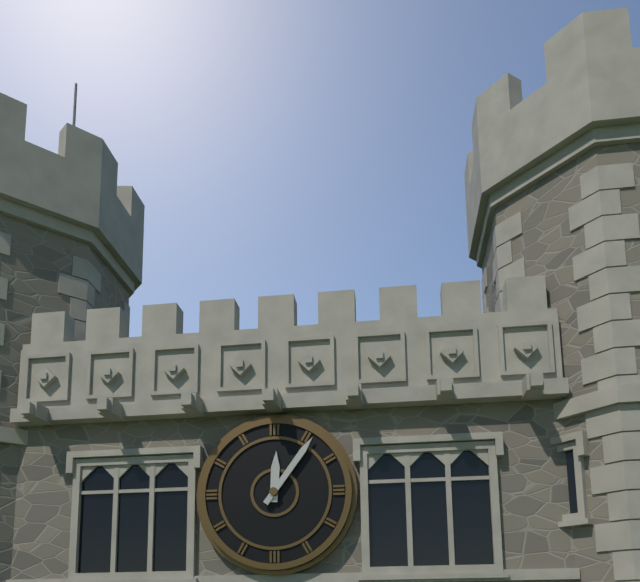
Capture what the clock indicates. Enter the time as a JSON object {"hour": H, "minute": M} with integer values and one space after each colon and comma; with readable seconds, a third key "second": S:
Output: {"hour": 12, "minute": 6}
